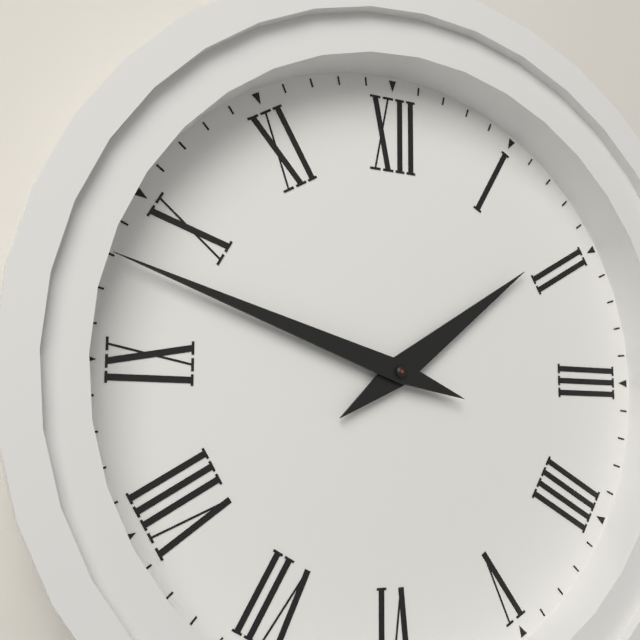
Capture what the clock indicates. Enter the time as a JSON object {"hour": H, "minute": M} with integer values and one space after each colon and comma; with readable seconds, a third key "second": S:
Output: {"hour": 1, "minute": 48}
